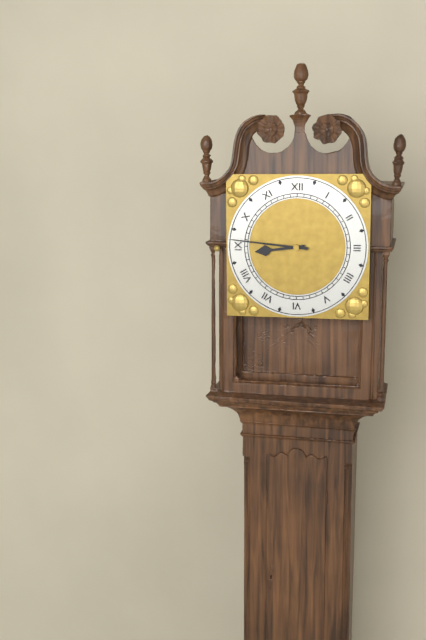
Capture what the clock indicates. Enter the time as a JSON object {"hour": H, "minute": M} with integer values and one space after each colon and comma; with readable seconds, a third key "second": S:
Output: {"hour": 8, "minute": 46}
